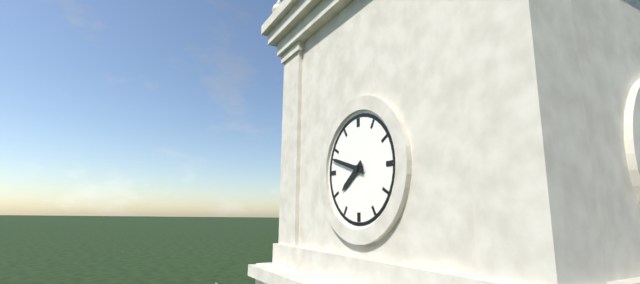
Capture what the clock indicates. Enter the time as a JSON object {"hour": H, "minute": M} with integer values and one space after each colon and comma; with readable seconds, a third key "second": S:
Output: {"hour": 7, "minute": 48}
